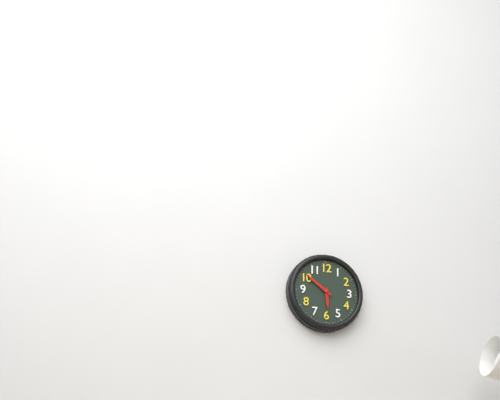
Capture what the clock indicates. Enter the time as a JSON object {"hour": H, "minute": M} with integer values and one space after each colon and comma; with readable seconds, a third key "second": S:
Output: {"hour": 5, "minute": 51}
